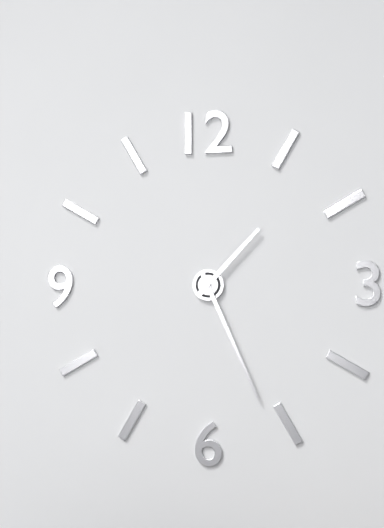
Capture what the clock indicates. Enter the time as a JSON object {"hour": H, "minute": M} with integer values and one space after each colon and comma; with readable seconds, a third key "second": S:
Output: {"hour": 1, "minute": 26}
